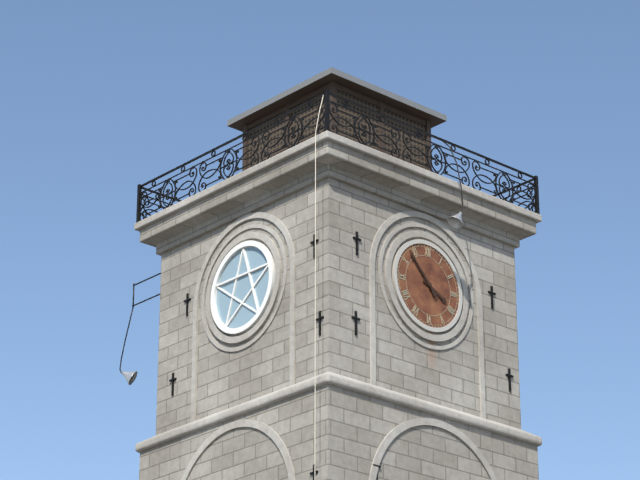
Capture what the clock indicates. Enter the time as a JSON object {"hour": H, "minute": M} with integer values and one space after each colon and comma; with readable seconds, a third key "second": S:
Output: {"hour": 3, "minute": 53}
